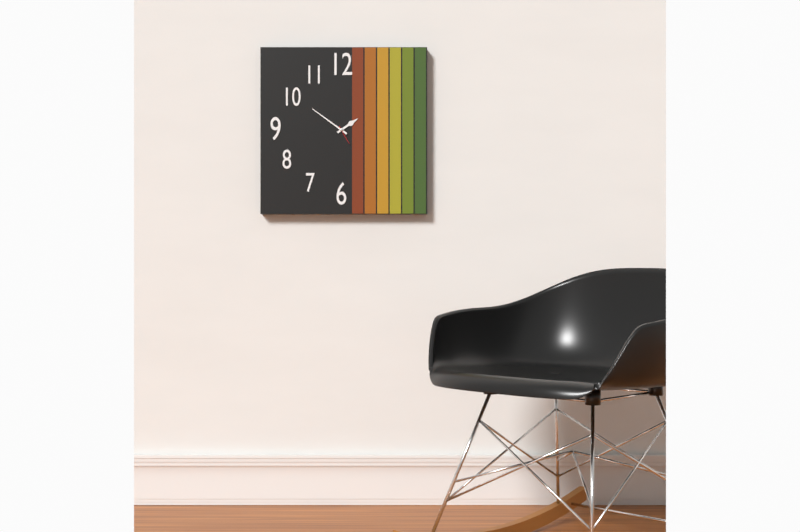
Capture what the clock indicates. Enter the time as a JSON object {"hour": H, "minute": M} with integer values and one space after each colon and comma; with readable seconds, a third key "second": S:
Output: {"hour": 1, "minute": 51}
